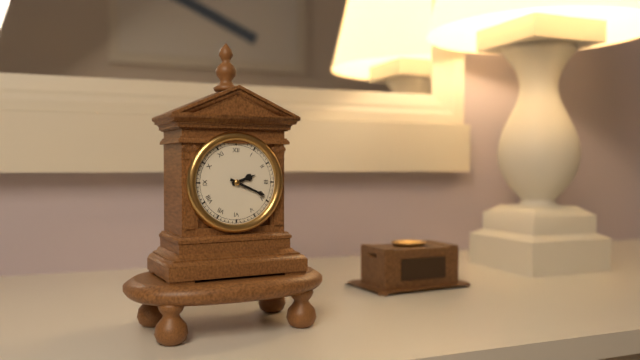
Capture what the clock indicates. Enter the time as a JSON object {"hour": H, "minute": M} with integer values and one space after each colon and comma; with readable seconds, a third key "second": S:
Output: {"hour": 2, "minute": 19}
